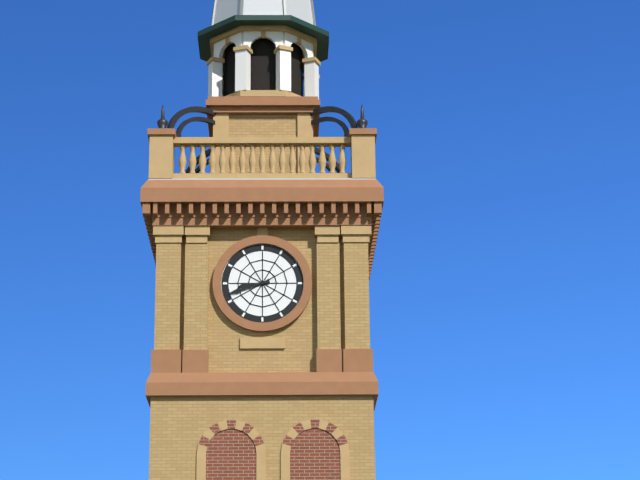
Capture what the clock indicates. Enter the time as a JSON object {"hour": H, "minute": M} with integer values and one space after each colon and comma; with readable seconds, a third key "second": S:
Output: {"hour": 8, "minute": 42}
